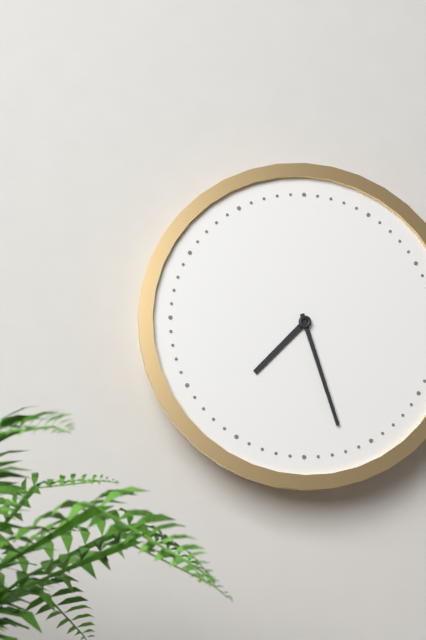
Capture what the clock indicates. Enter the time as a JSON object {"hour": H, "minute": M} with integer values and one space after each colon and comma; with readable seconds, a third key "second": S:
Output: {"hour": 7, "minute": 27}
